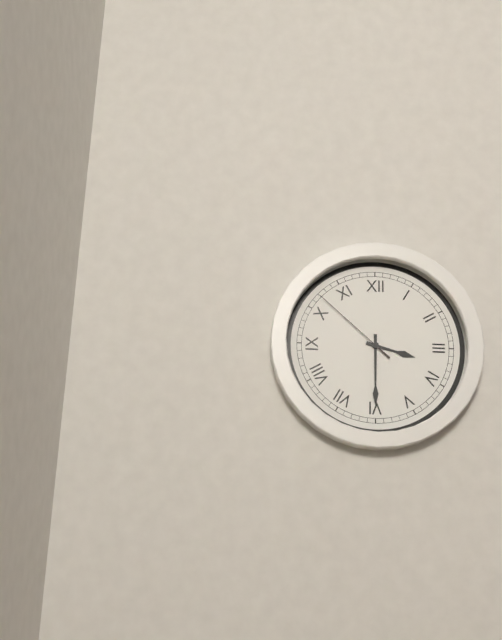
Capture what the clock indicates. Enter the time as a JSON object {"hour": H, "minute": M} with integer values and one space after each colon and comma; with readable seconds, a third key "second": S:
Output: {"hour": 3, "minute": 30, "second": 52}
